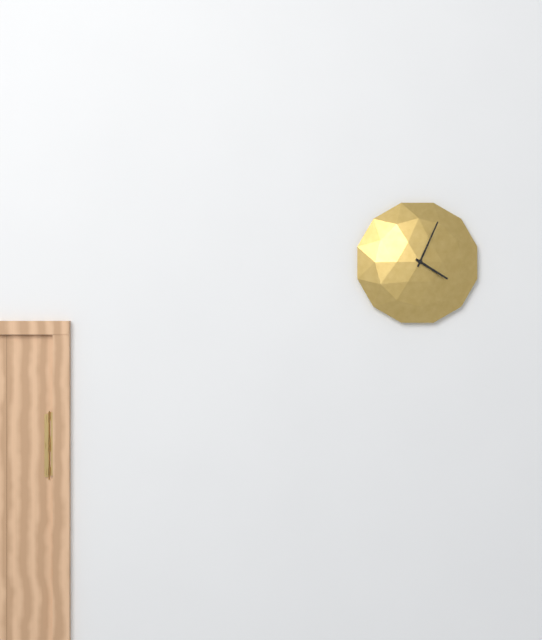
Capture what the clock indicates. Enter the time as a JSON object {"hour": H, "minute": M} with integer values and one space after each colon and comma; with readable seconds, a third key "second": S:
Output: {"hour": 4, "minute": 4}
